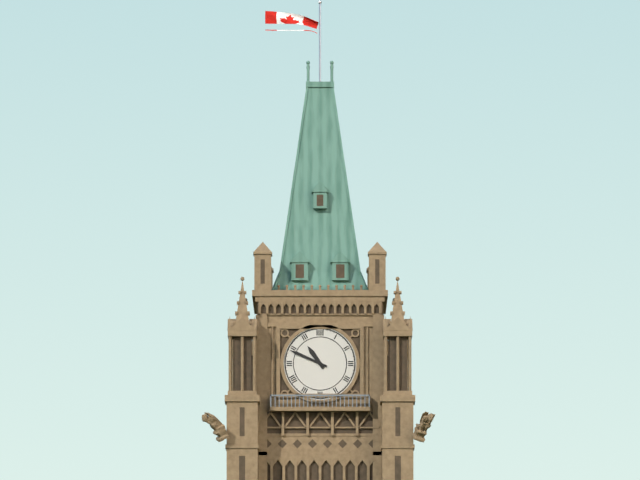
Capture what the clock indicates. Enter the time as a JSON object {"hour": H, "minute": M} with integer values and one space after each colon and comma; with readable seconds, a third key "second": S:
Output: {"hour": 10, "minute": 49}
